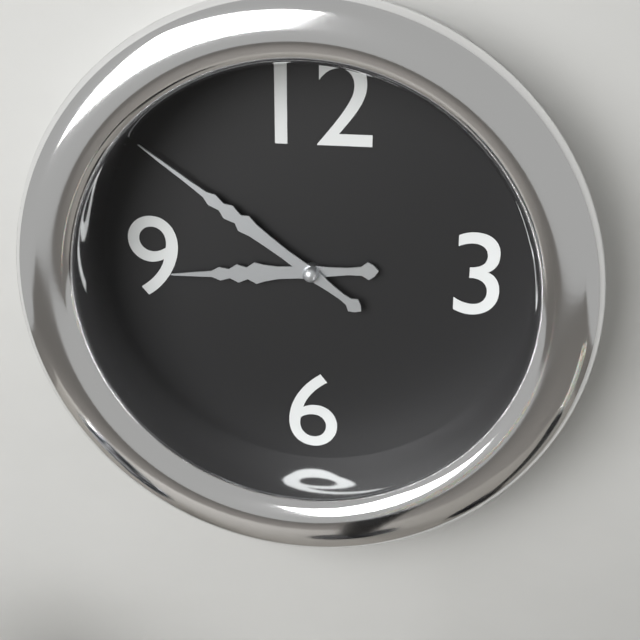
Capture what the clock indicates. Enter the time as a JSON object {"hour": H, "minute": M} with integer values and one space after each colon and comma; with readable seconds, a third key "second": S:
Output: {"hour": 8, "minute": 51}
